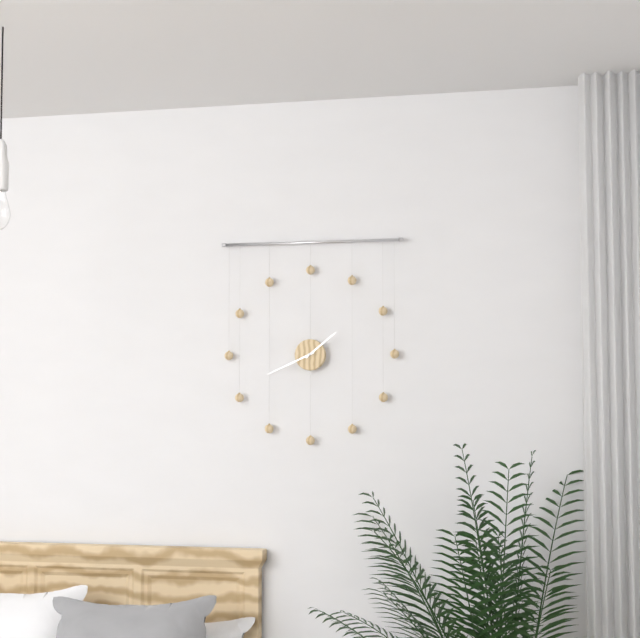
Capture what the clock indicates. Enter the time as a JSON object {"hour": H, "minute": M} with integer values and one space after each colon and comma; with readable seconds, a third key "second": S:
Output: {"hour": 1, "minute": 41}
